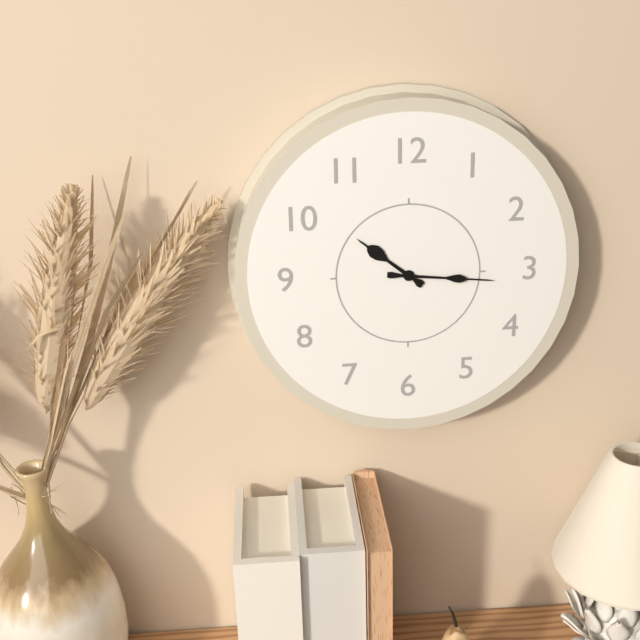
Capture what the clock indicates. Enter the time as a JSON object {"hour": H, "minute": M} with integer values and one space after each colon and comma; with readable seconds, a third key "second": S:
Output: {"hour": 10, "minute": 16}
